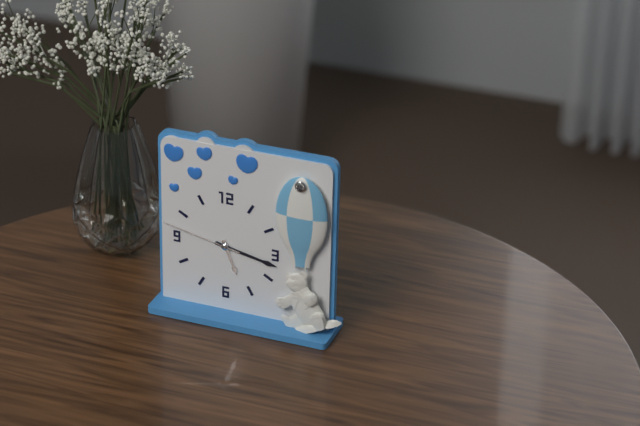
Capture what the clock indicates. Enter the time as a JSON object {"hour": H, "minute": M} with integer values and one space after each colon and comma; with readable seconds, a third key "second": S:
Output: {"hour": 5, "minute": 17, "second": 47}
